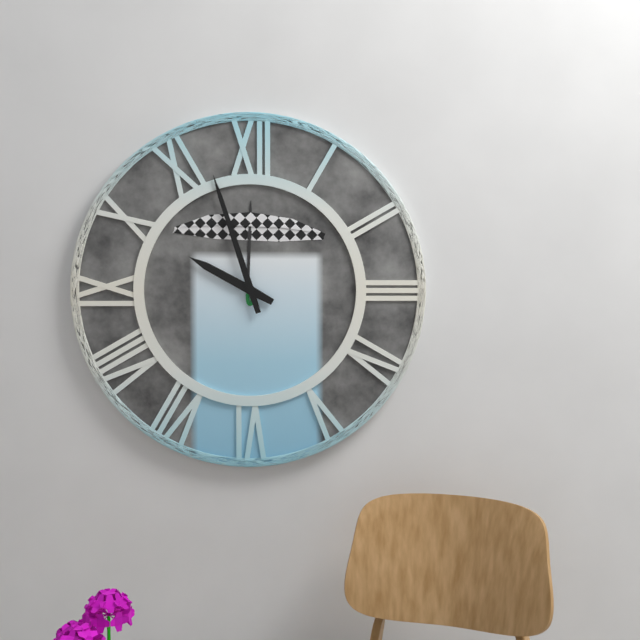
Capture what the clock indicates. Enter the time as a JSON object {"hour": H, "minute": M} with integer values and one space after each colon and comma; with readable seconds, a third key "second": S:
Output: {"hour": 9, "minute": 57}
